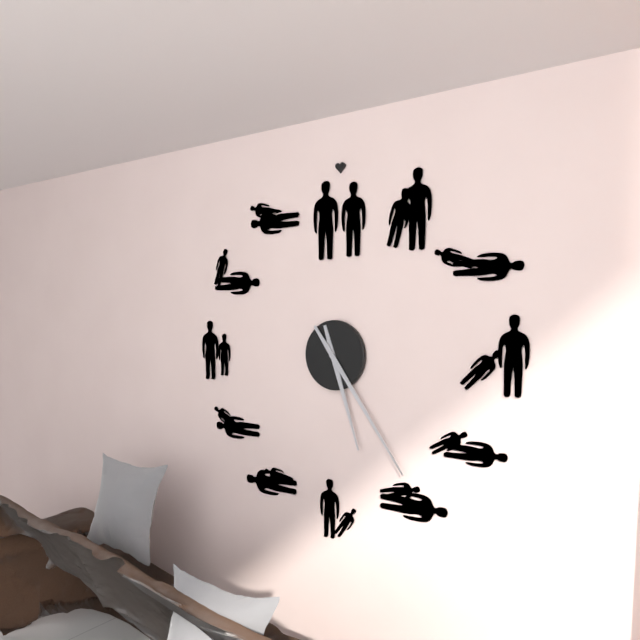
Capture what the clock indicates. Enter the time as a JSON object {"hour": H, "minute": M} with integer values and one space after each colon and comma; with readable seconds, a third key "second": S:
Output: {"hour": 5, "minute": 24}
